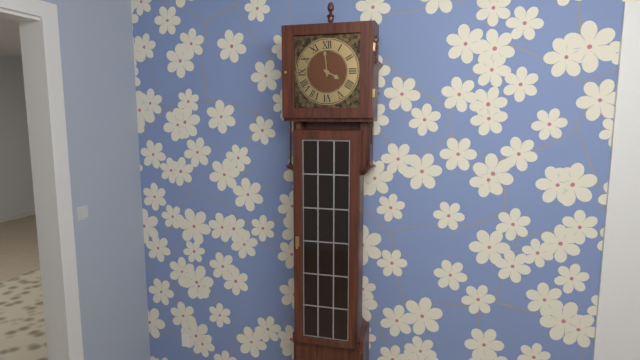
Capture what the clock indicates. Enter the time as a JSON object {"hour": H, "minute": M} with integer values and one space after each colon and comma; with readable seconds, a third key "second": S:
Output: {"hour": 3, "minute": 59}
